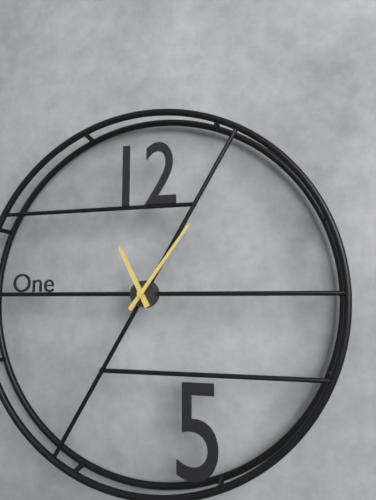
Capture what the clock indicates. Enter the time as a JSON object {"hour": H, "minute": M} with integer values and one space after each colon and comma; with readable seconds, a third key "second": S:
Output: {"hour": 11, "minute": 6}
